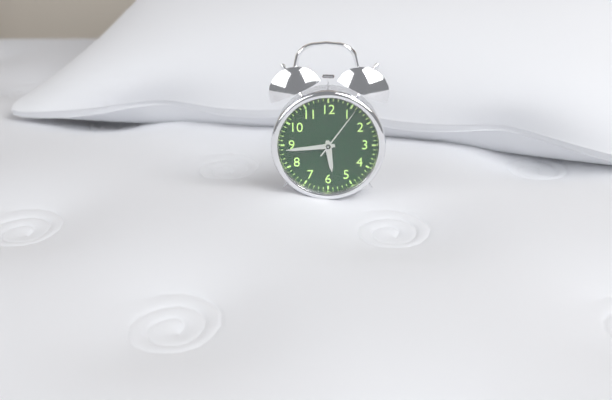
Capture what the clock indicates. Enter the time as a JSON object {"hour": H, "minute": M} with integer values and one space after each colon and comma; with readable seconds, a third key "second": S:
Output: {"hour": 5, "minute": 44, "second": 6}
